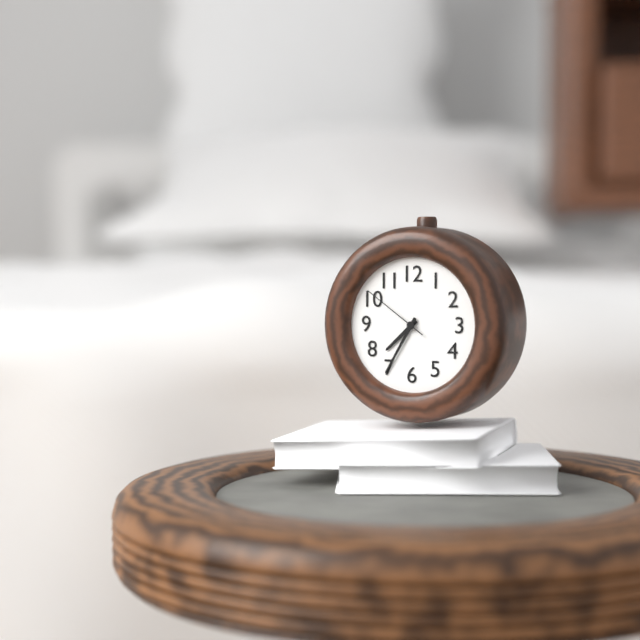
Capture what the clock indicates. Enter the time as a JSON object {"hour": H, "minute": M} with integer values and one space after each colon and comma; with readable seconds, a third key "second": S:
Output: {"hour": 7, "minute": 35, "second": 51}
